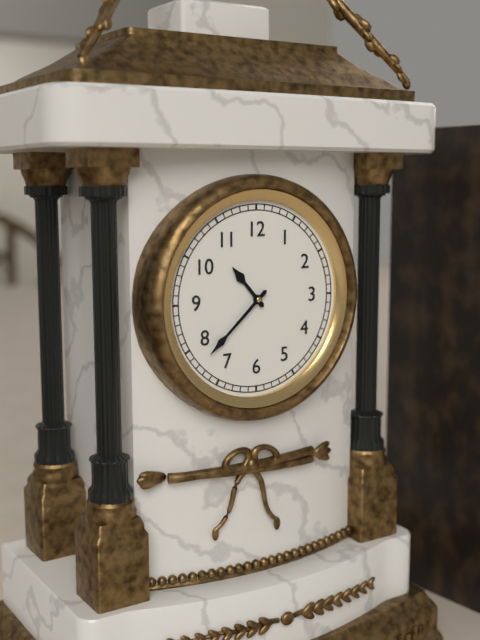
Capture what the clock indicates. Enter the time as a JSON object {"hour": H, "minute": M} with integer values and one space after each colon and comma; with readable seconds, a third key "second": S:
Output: {"hour": 10, "minute": 38}
